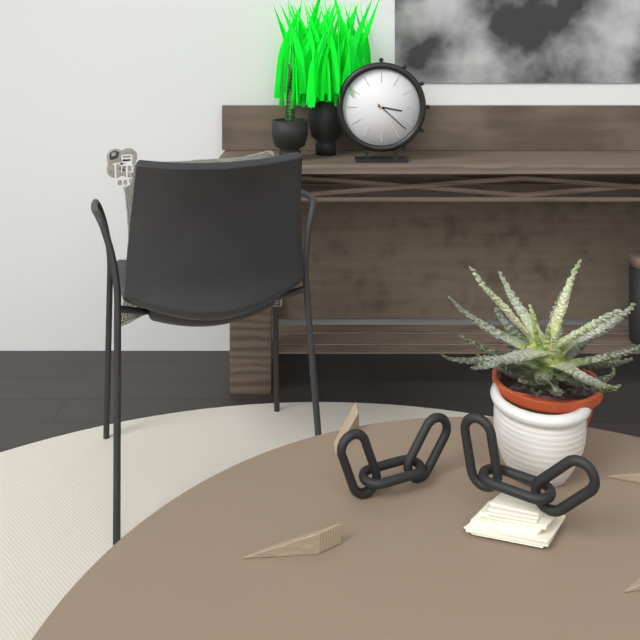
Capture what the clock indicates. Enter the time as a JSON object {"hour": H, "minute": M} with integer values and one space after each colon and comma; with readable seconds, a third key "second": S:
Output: {"hour": 3, "minute": 22}
